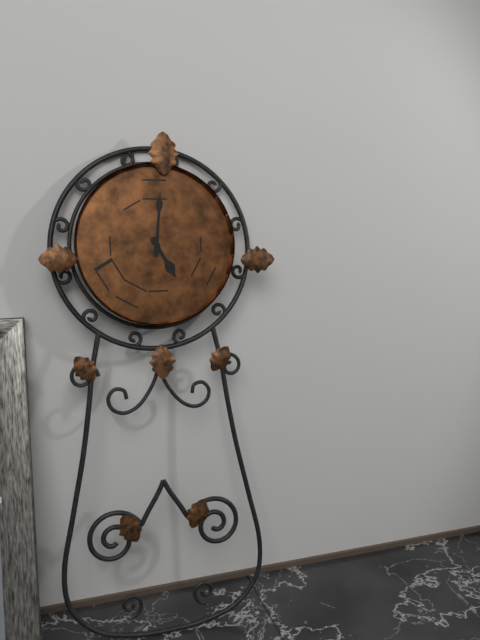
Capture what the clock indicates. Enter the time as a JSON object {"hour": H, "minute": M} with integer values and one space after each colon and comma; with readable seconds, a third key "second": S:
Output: {"hour": 5, "minute": 1}
